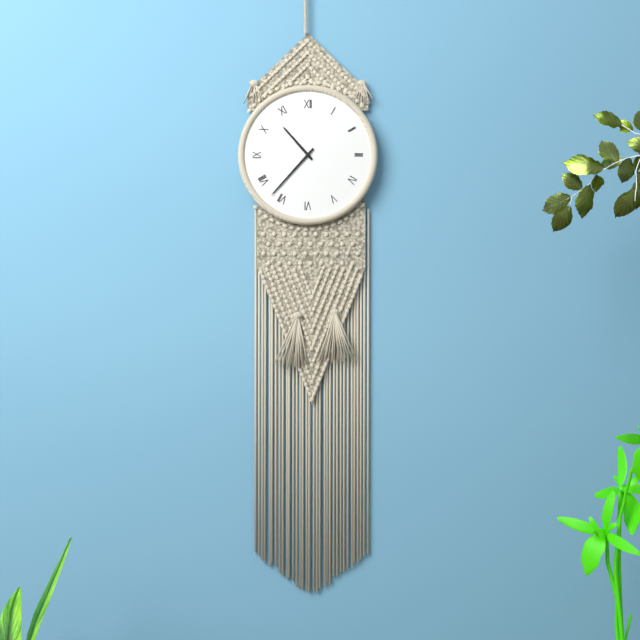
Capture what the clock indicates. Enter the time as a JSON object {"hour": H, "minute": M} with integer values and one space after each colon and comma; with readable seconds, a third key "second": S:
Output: {"hour": 10, "minute": 37}
